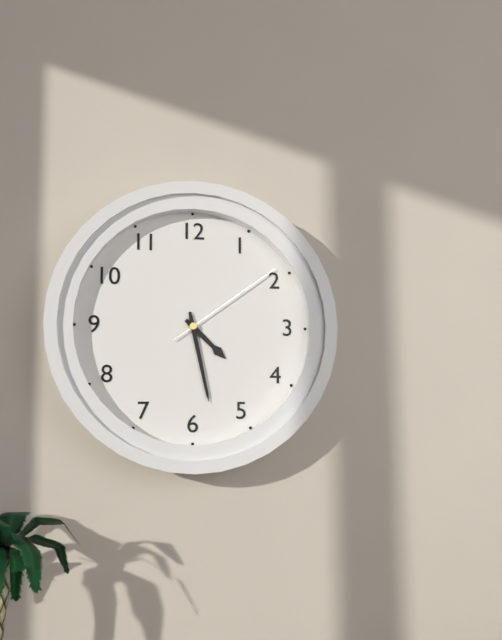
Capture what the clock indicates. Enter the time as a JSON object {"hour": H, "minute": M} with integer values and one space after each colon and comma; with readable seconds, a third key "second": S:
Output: {"hour": 4, "minute": 28, "second": 9}
